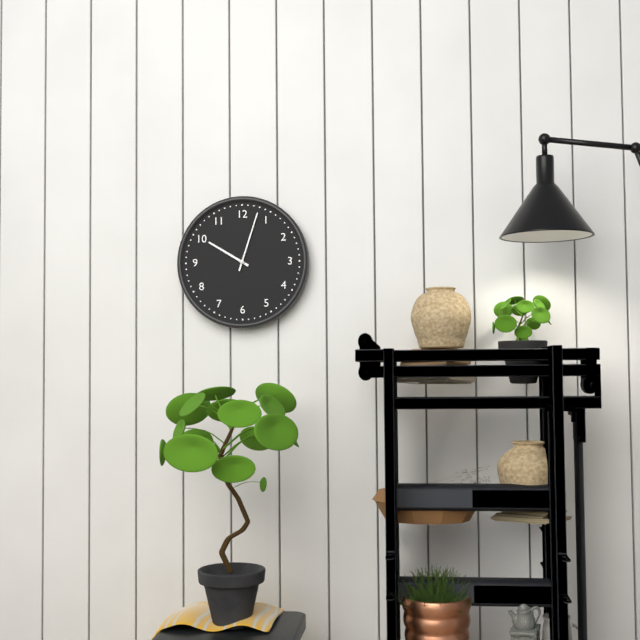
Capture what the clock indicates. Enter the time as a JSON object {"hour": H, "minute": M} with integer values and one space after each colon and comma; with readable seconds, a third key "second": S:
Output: {"hour": 10, "minute": 3}
